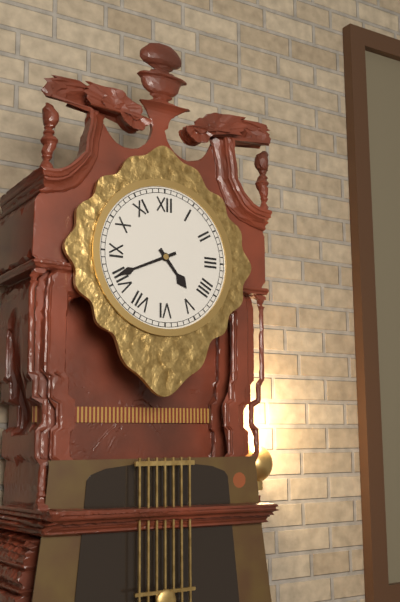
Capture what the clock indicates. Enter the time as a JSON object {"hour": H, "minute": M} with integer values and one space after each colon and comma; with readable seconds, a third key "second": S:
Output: {"hour": 4, "minute": 41}
